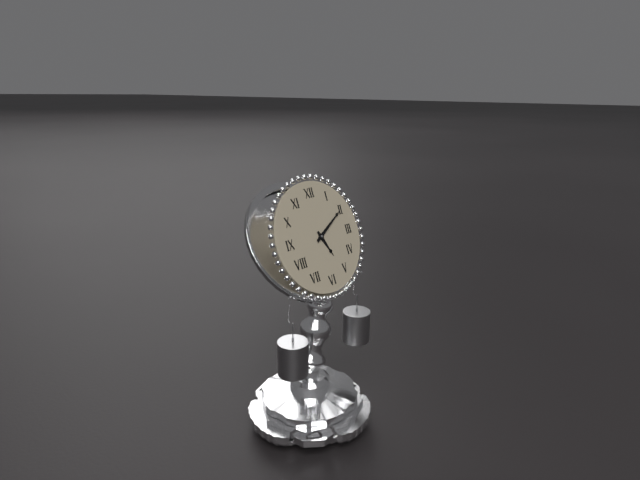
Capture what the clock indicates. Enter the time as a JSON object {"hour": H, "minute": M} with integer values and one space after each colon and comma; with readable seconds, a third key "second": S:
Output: {"hour": 5, "minute": 10}
